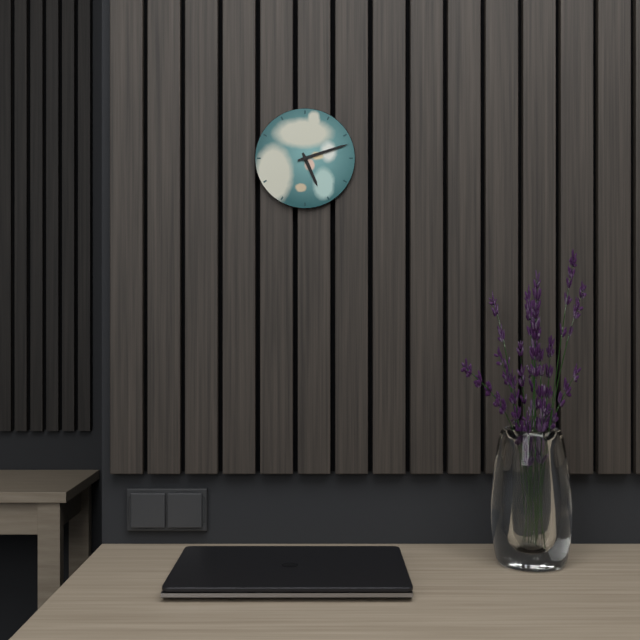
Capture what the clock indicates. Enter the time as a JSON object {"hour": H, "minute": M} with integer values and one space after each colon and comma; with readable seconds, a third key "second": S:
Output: {"hour": 5, "minute": 12}
